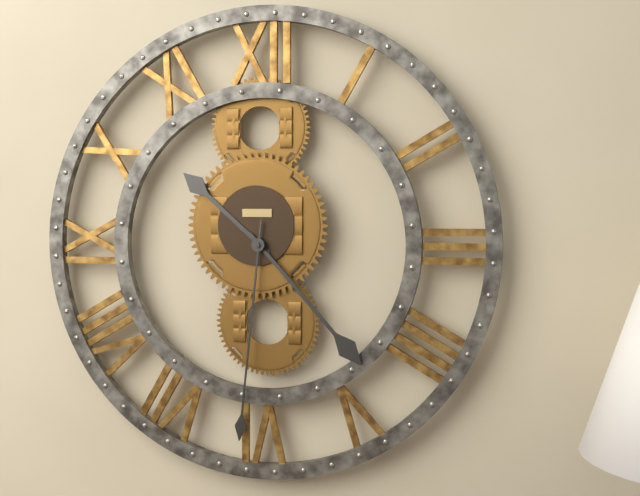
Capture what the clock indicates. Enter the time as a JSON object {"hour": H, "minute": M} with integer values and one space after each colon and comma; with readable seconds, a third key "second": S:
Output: {"hour": 10, "minute": 23, "second": 31}
